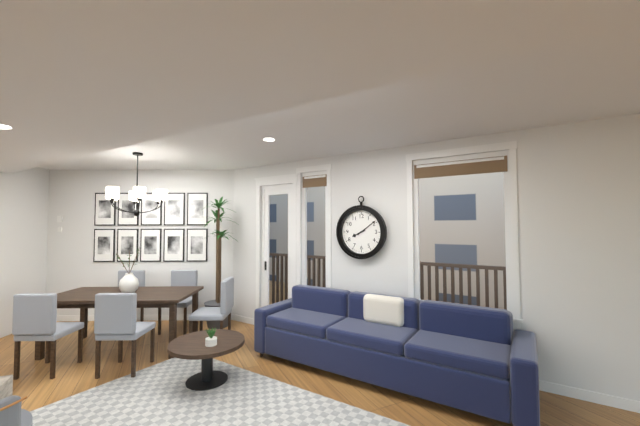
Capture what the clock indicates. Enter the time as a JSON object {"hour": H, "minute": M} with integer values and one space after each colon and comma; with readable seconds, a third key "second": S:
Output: {"hour": 8, "minute": 9}
